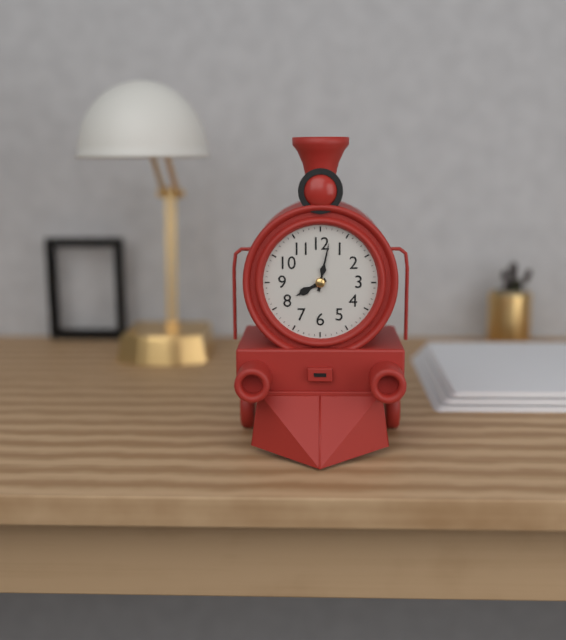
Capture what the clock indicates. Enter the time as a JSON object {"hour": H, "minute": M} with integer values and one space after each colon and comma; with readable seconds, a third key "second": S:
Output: {"hour": 8, "minute": 2}
